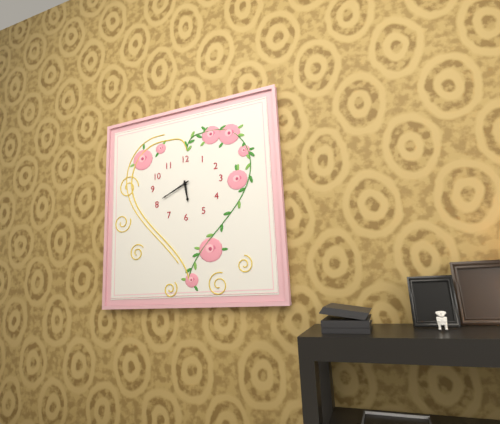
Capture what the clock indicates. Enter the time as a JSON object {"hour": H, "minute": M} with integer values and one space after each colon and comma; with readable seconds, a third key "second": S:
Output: {"hour": 5, "minute": 41}
